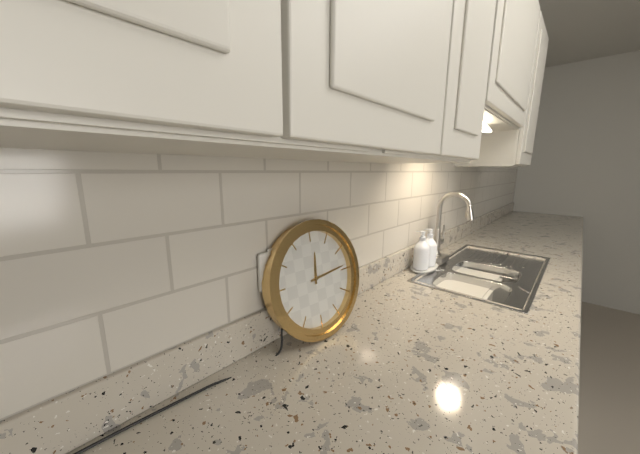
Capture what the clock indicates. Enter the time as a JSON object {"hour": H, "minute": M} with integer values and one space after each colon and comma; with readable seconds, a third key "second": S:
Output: {"hour": 12, "minute": 14}
